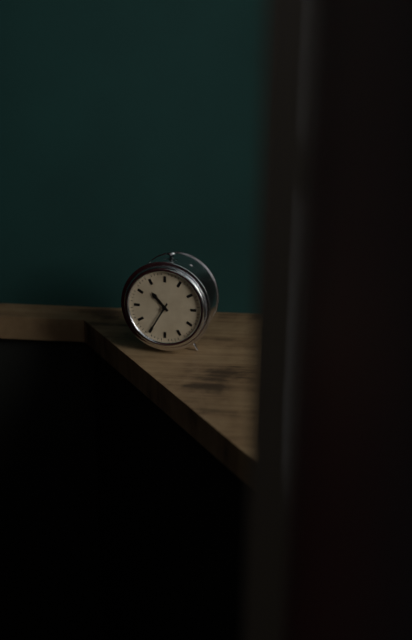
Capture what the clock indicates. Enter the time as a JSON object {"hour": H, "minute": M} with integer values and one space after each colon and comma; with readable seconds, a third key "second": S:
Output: {"hour": 10, "minute": 35}
